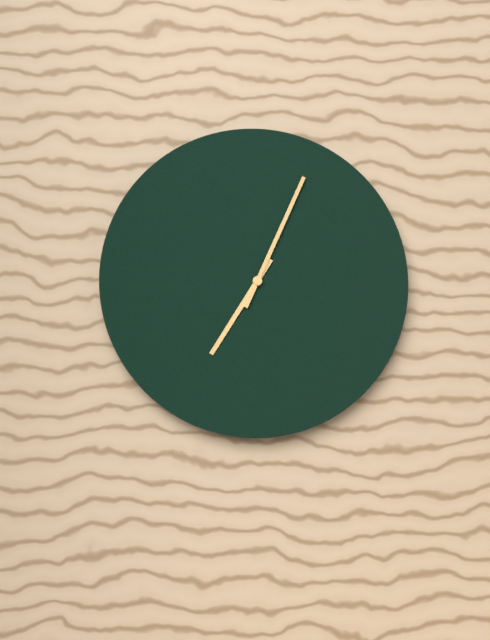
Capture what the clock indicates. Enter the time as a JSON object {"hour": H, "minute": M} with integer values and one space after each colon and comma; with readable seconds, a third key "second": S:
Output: {"hour": 7, "minute": 4}
